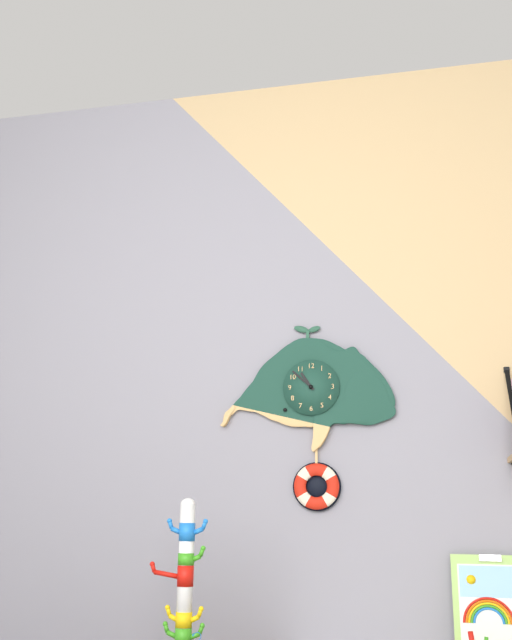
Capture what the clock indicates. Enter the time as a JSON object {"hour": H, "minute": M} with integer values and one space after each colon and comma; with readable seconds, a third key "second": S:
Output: {"hour": 10, "minute": 52}
